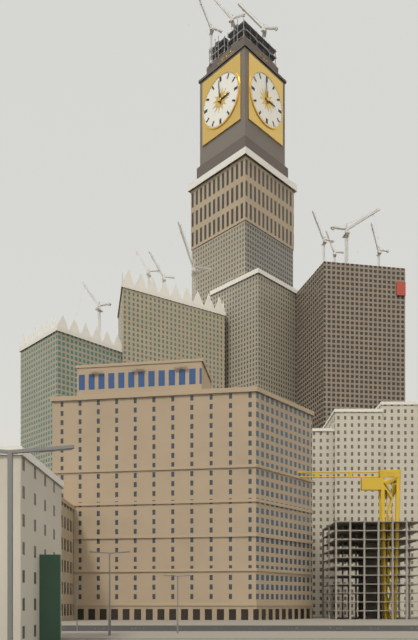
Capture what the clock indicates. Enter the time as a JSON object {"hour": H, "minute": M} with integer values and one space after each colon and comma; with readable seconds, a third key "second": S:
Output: {"hour": 2, "minute": 59}
